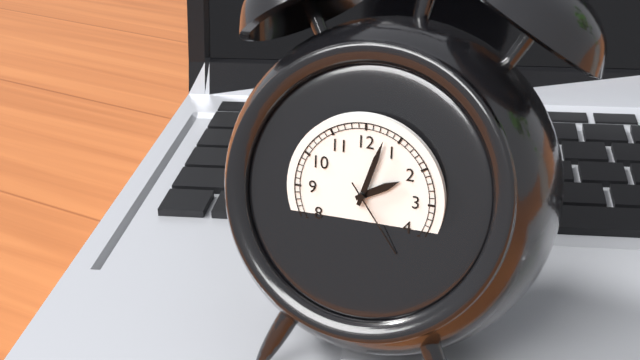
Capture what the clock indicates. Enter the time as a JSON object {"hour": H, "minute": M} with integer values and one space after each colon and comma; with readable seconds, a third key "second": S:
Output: {"hour": 2, "minute": 3, "second": 24}
